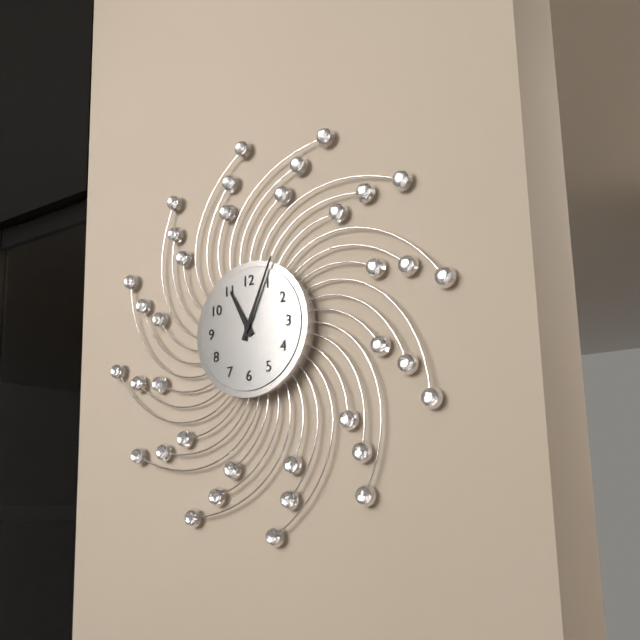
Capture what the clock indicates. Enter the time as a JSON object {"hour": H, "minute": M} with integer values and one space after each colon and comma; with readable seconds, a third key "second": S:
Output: {"hour": 11, "minute": 4}
